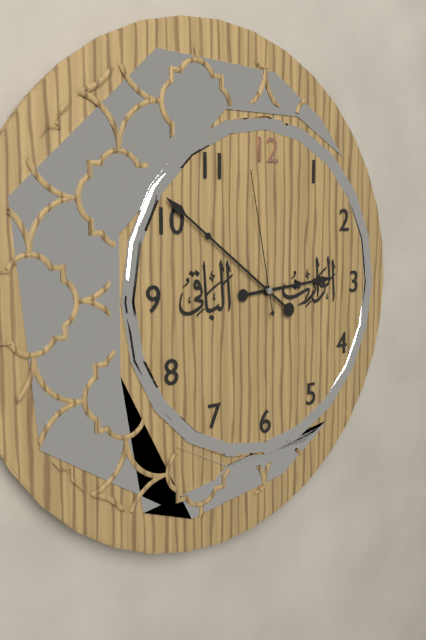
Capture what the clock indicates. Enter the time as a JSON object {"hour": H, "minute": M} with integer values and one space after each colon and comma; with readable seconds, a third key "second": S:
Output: {"hour": 2, "minute": 51, "second": 58}
